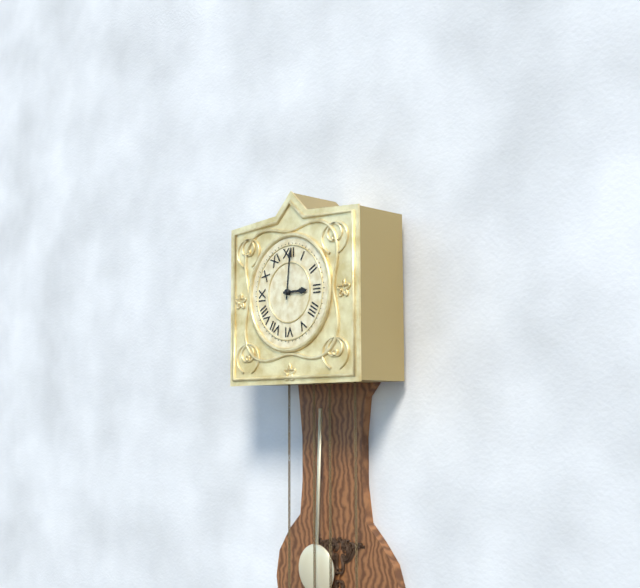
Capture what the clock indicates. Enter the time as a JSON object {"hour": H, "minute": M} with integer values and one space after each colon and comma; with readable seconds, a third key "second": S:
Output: {"hour": 3, "minute": 1}
